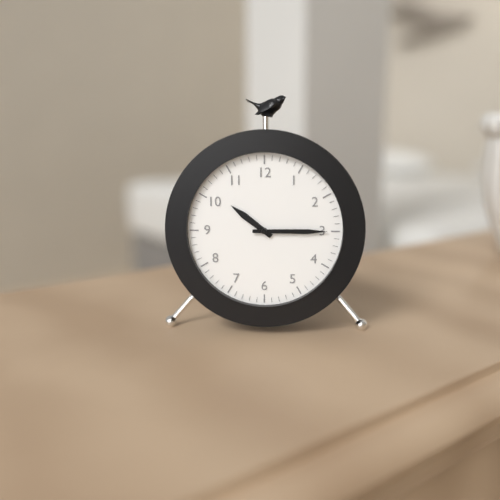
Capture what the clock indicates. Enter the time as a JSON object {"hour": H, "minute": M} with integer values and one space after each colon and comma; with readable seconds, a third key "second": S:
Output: {"hour": 10, "minute": 15}
